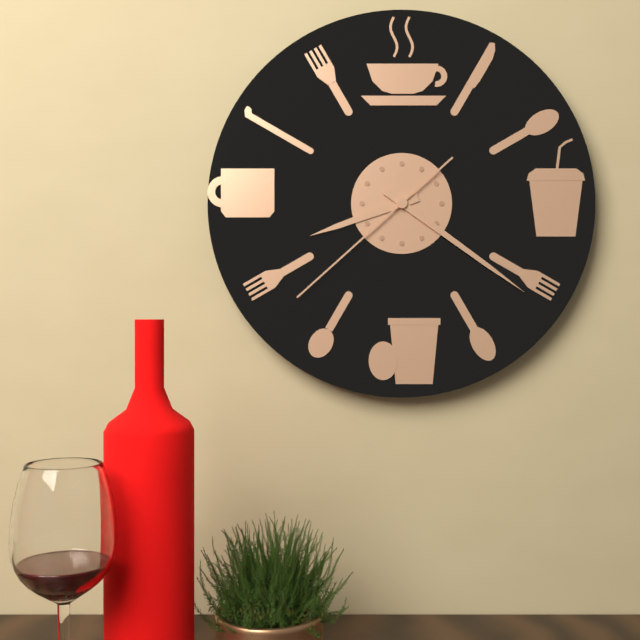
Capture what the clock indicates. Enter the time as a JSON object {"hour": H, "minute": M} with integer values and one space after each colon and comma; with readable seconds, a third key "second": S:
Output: {"hour": 8, "minute": 21, "second": 38}
